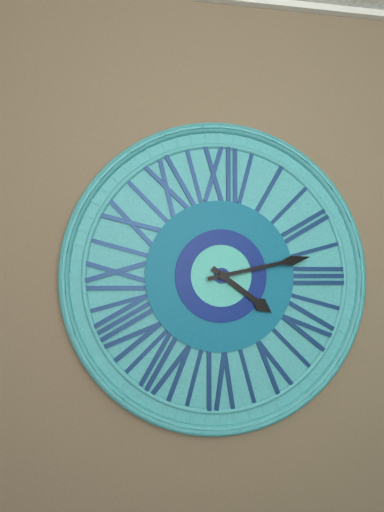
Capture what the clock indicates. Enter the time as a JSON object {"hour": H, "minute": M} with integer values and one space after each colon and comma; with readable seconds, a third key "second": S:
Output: {"hour": 4, "minute": 13}
